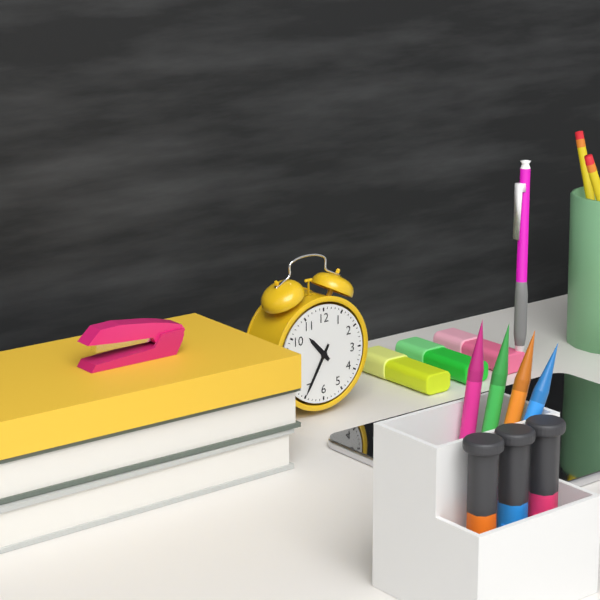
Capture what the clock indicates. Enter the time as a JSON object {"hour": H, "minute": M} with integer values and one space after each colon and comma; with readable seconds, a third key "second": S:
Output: {"hour": 10, "minute": 35}
